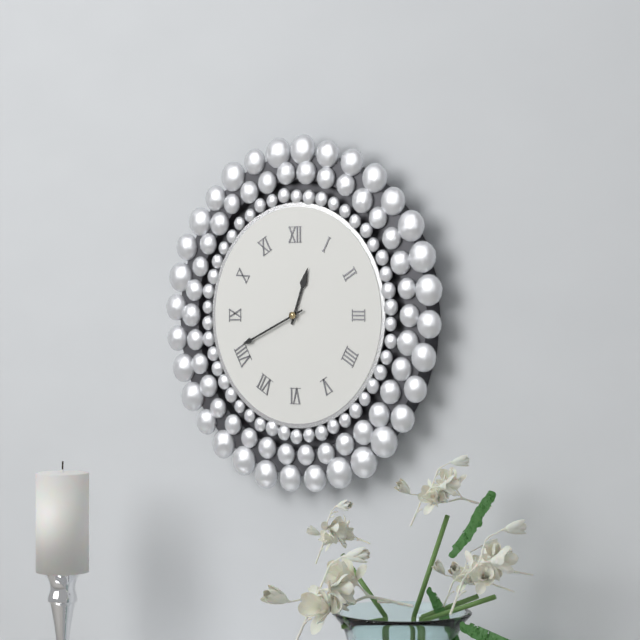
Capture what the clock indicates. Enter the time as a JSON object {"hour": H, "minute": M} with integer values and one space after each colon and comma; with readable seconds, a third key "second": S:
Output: {"hour": 12, "minute": 41}
